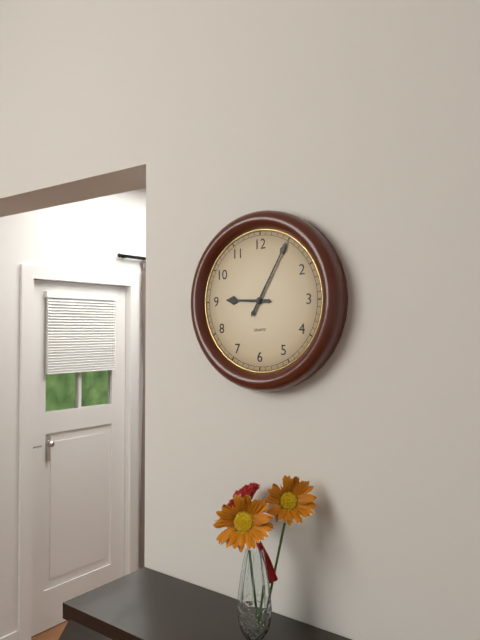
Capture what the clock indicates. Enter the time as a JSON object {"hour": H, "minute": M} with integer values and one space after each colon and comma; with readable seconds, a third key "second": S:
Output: {"hour": 9, "minute": 5}
